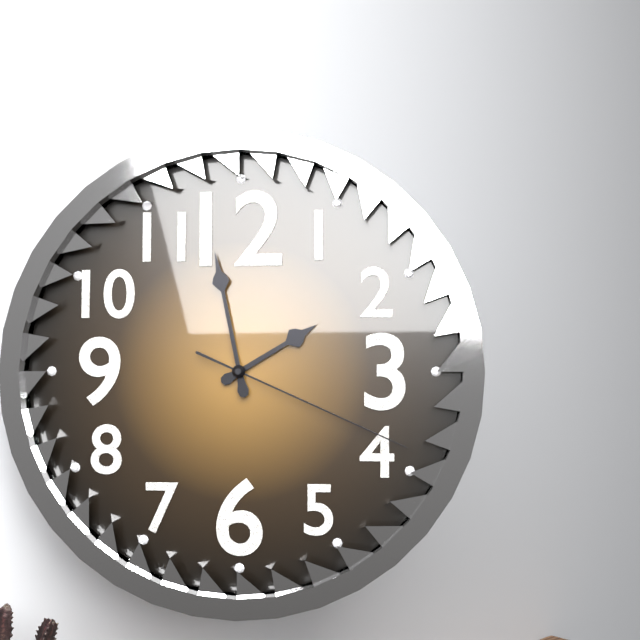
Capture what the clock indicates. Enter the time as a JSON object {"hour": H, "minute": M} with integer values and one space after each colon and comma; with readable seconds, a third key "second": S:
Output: {"hour": 1, "minute": 58, "second": 19}
